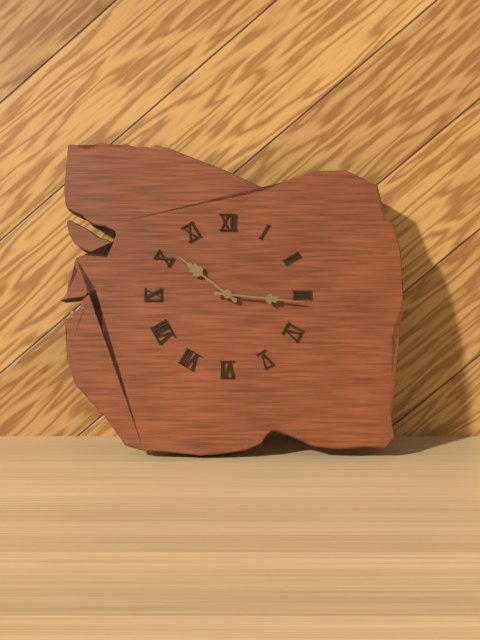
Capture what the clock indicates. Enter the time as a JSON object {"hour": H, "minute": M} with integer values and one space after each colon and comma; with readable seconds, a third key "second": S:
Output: {"hour": 10, "minute": 16}
